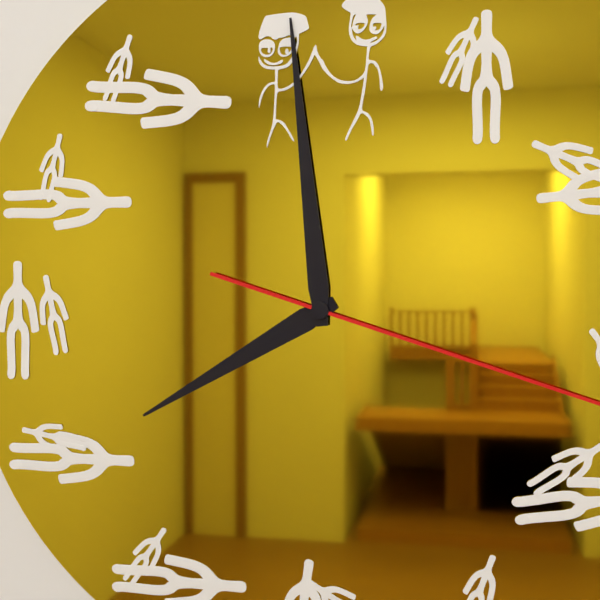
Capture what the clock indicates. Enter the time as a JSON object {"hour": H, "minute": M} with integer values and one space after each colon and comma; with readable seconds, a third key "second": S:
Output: {"hour": 7, "minute": 59}
